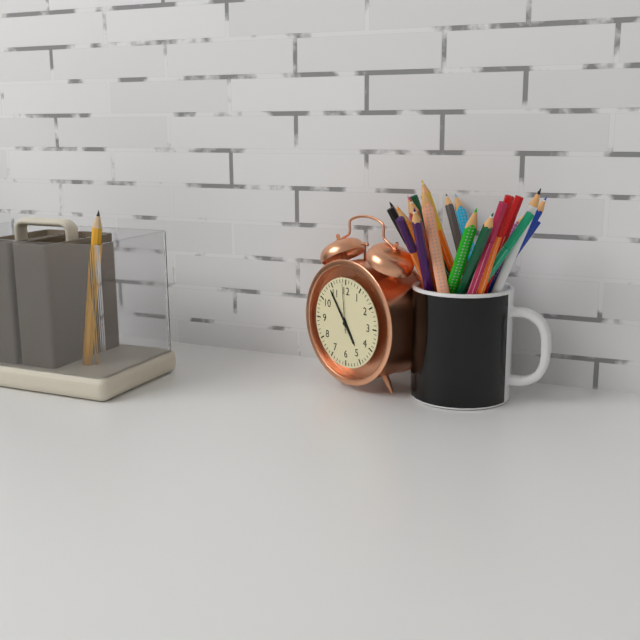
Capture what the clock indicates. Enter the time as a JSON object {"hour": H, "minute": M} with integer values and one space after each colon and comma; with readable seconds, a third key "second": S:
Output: {"hour": 4, "minute": 54, "second": 59}
